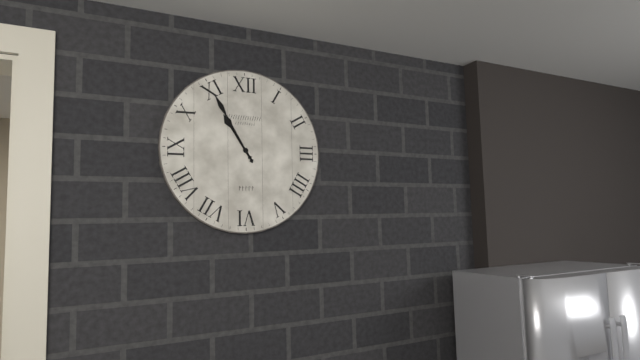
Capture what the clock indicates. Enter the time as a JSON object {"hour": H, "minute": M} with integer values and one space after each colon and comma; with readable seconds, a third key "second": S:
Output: {"hour": 10, "minute": 55}
